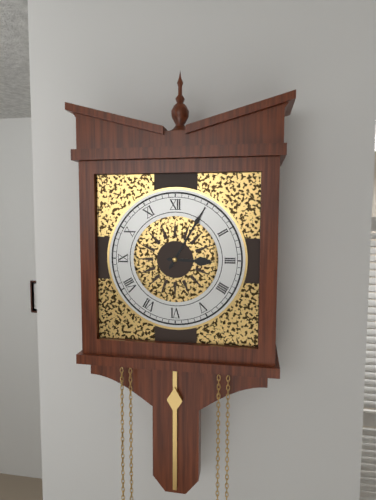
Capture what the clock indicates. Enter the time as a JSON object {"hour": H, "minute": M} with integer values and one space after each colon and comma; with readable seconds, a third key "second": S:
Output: {"hour": 3, "minute": 5}
